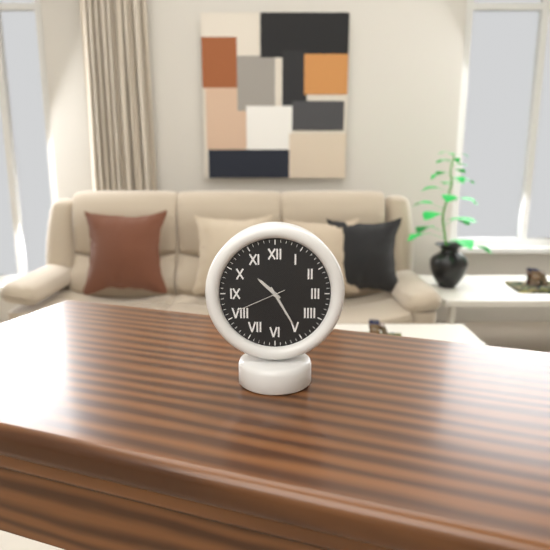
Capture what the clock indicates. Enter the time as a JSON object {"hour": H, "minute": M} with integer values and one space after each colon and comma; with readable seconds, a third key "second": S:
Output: {"hour": 10, "minute": 25, "second": 41}
